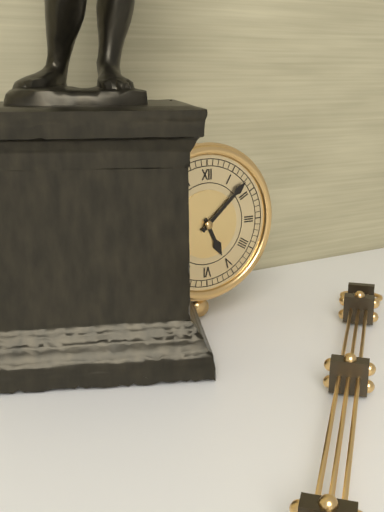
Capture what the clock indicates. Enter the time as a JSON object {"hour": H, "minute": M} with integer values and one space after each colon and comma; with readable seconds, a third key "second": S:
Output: {"hour": 5, "minute": 8}
